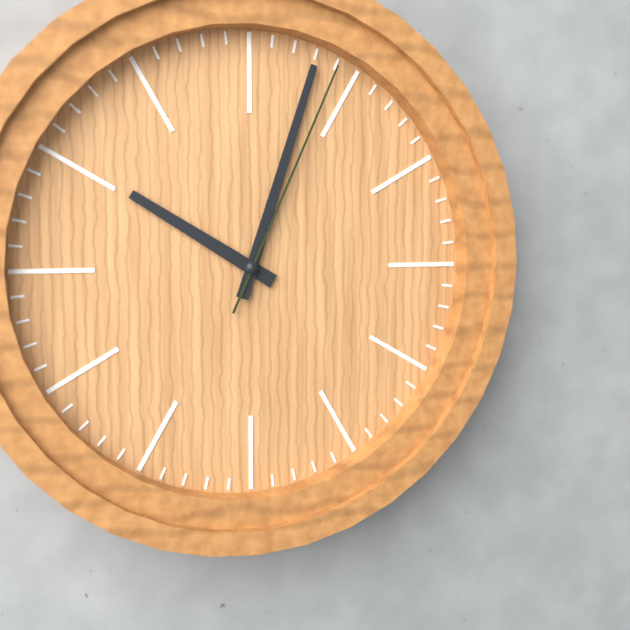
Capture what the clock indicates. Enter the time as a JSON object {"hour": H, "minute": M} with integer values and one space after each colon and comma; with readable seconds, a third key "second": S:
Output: {"hour": 10, "minute": 3, "second": 4}
